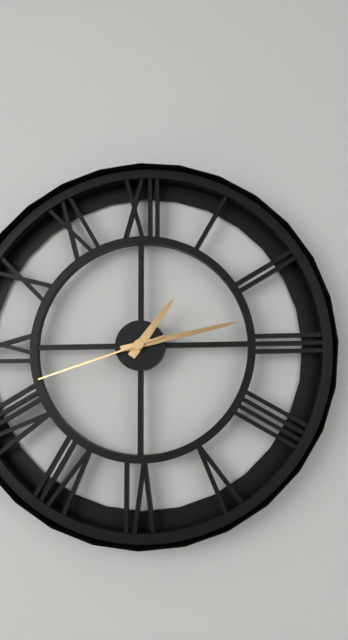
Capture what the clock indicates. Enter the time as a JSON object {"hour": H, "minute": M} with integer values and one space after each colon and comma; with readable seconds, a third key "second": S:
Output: {"hour": 1, "minute": 13, "second": 42}
